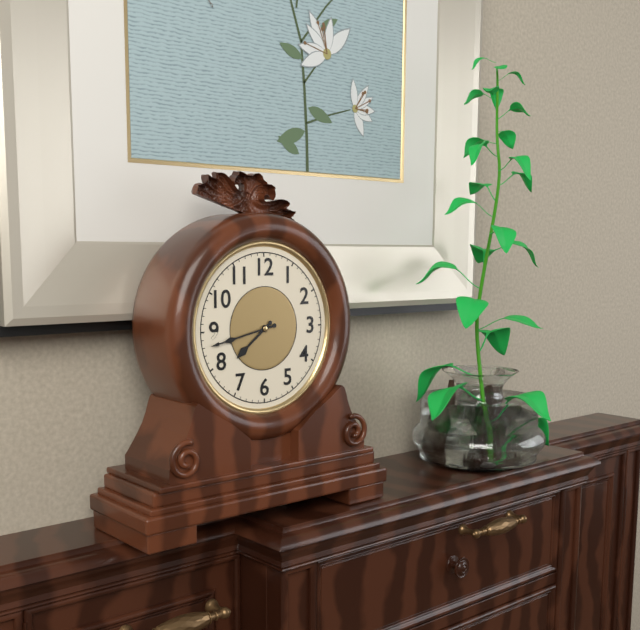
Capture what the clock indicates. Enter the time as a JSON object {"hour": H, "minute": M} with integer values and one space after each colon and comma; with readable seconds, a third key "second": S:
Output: {"hour": 7, "minute": 43}
